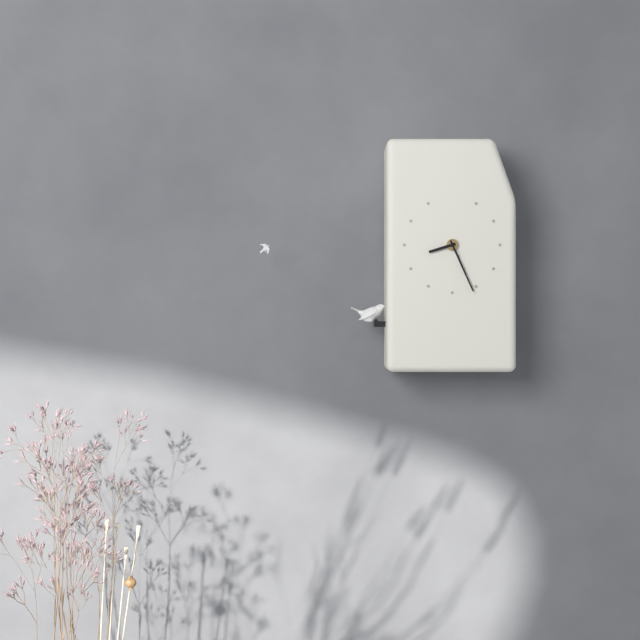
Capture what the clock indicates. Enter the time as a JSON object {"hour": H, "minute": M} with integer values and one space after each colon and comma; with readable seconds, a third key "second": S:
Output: {"hour": 8, "minute": 26}
